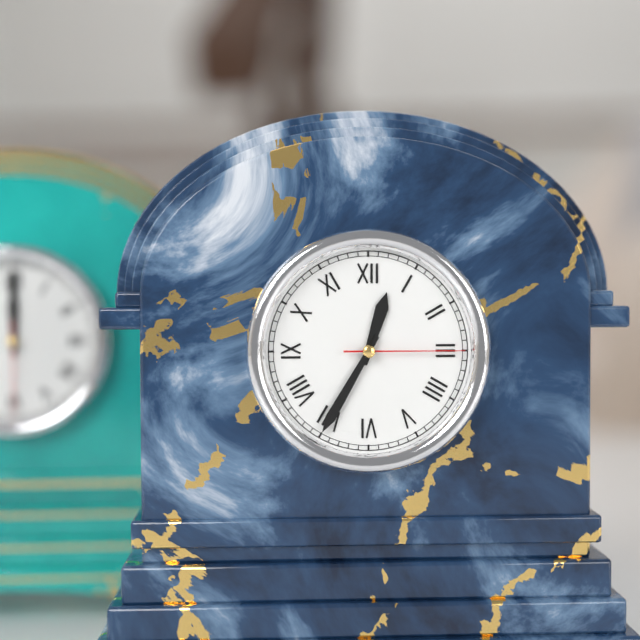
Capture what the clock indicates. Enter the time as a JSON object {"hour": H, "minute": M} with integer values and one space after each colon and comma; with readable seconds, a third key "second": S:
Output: {"hour": 12, "minute": 35, "second": 15}
